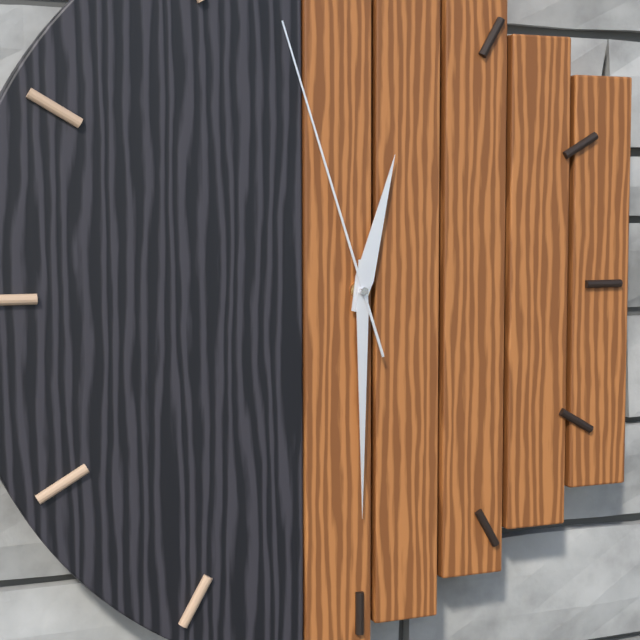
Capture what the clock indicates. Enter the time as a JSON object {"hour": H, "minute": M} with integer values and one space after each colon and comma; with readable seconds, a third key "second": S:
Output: {"hour": 12, "minute": 30, "second": 57}
